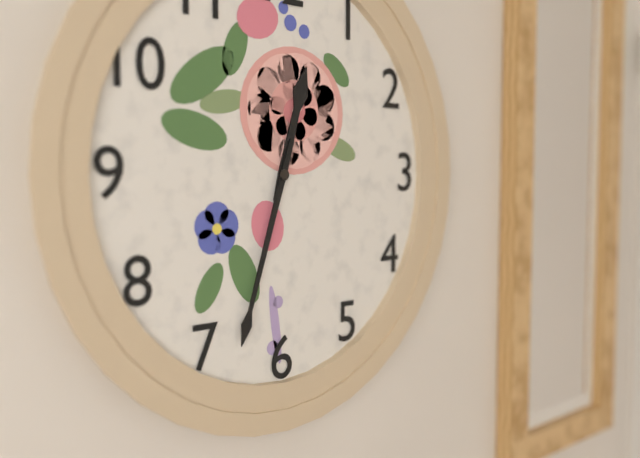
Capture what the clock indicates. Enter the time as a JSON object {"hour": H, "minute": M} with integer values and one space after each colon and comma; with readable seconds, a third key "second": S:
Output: {"hour": 12, "minute": 33}
